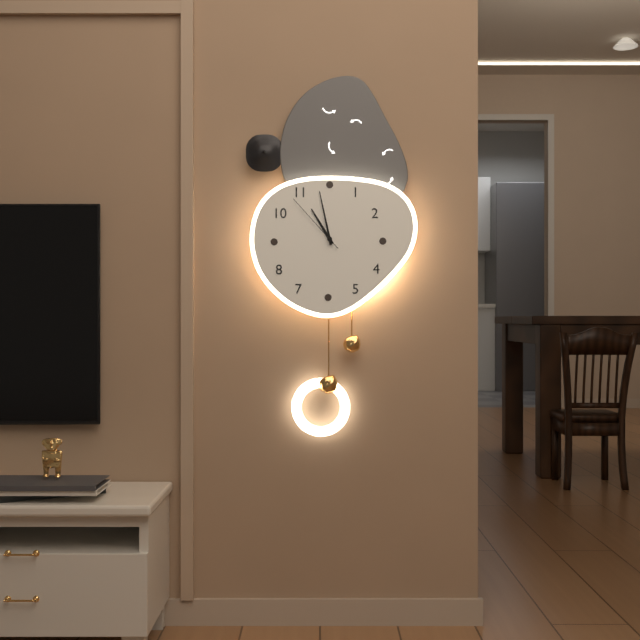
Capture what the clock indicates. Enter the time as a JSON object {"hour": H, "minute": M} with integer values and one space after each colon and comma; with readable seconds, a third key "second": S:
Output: {"hour": 10, "minute": 58, "second": 53}
